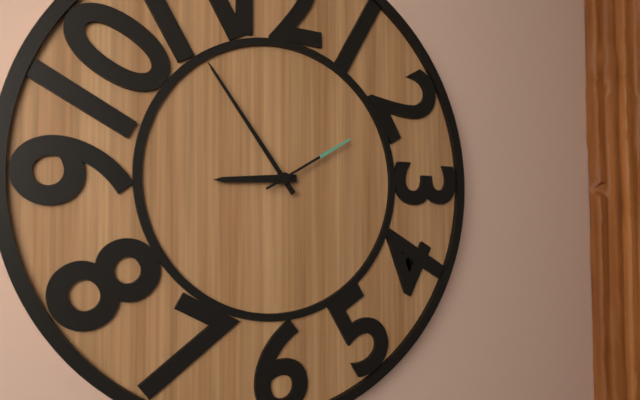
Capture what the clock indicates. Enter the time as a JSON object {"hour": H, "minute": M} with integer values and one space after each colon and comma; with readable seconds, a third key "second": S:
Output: {"hour": 8, "minute": 54, "second": 10}
